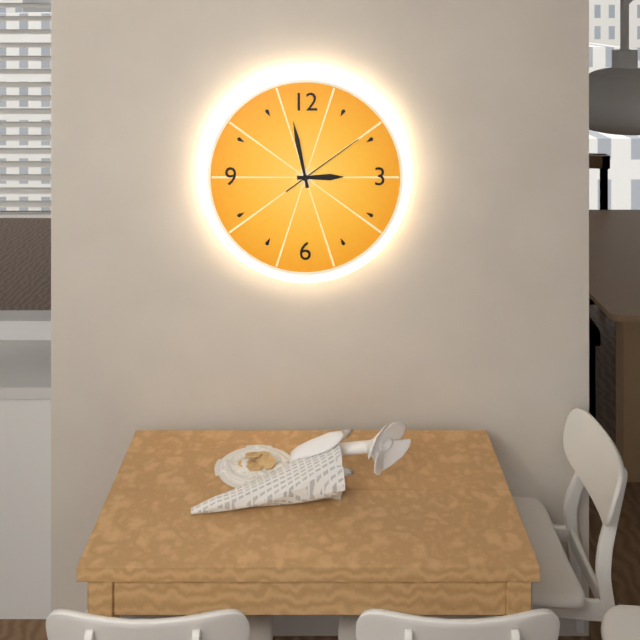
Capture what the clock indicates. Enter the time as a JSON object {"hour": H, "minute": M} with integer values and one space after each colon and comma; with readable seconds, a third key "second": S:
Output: {"hour": 2, "minute": 58, "second": 9}
